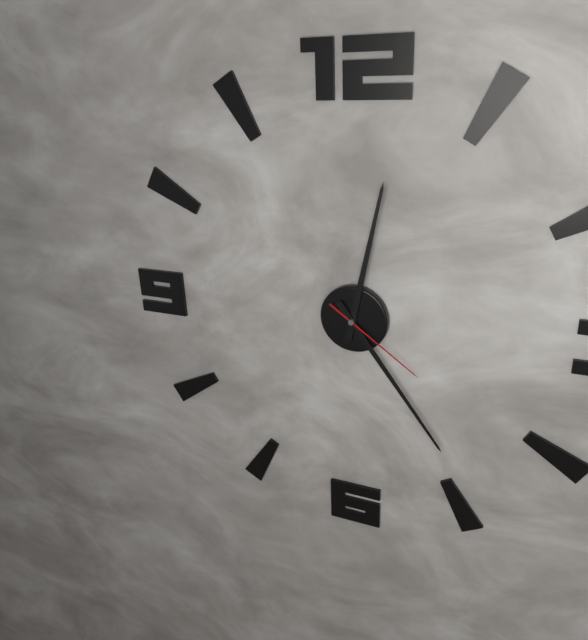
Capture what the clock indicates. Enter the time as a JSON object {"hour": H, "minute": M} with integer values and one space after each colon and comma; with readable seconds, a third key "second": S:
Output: {"hour": 12, "minute": 24, "second": 21}
